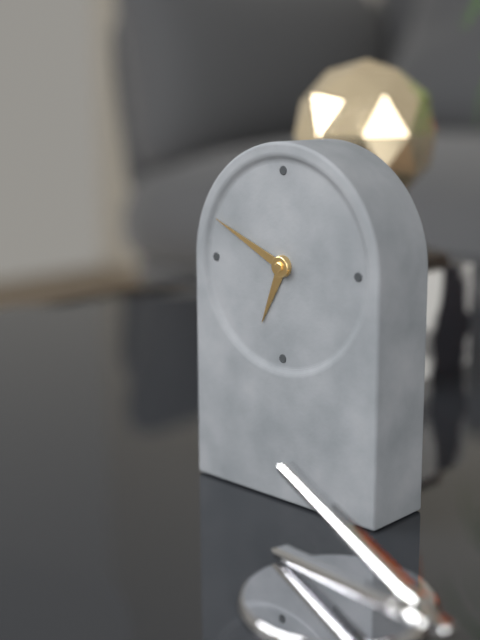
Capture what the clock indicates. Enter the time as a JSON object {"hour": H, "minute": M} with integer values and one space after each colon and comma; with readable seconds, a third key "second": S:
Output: {"hour": 6, "minute": 49}
